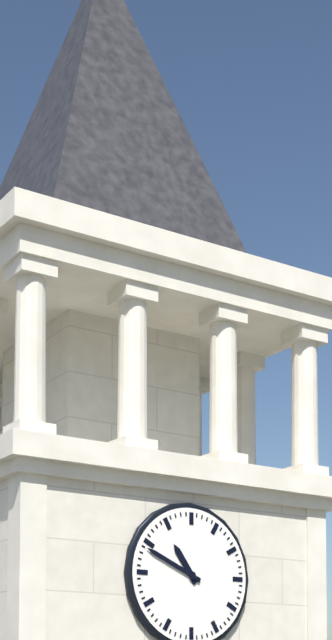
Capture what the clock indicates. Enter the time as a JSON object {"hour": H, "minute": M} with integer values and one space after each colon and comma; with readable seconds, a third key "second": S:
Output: {"hour": 10, "minute": 49}
